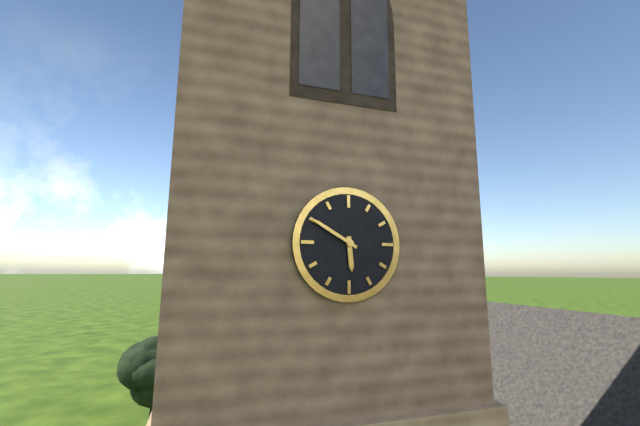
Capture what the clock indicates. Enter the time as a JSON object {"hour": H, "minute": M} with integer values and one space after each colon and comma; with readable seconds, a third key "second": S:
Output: {"hour": 5, "minute": 50}
